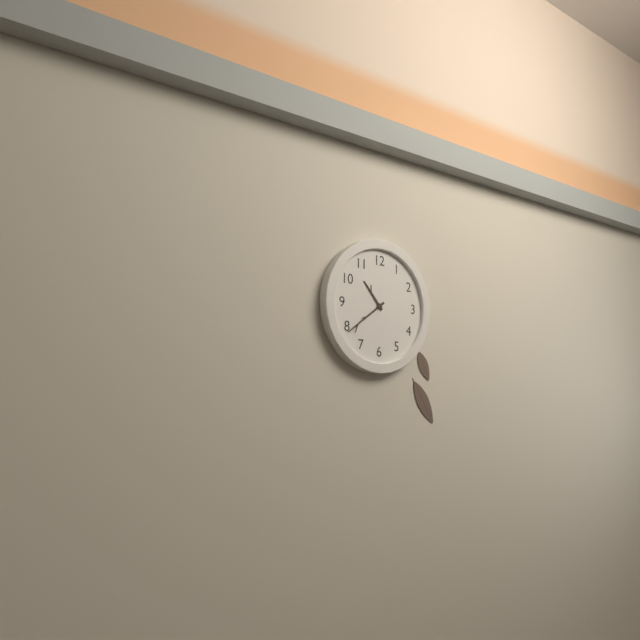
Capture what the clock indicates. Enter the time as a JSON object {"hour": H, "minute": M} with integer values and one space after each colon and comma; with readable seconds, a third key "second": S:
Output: {"hour": 10, "minute": 39}
